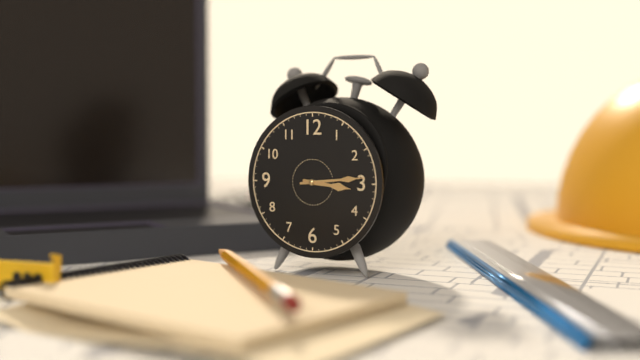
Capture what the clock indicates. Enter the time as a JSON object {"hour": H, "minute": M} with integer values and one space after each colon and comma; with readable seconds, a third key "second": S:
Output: {"hour": 3, "minute": 14}
